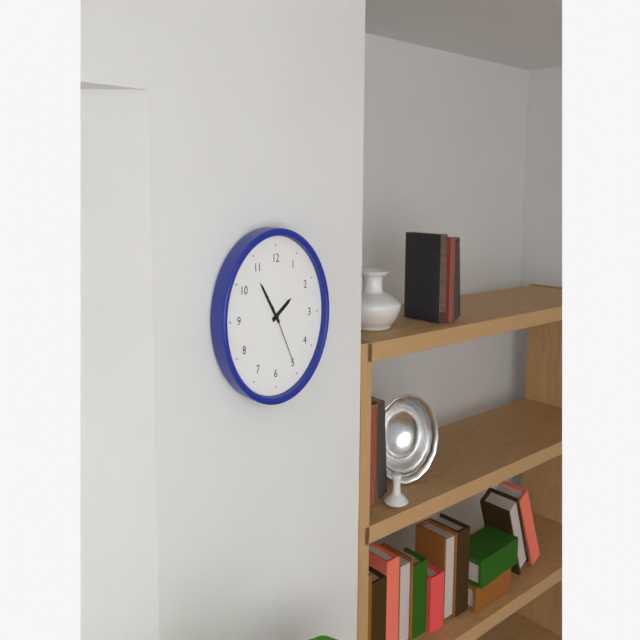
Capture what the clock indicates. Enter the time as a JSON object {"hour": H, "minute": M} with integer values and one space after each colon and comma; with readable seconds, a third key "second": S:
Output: {"hour": 1, "minute": 54, "second": 25}
